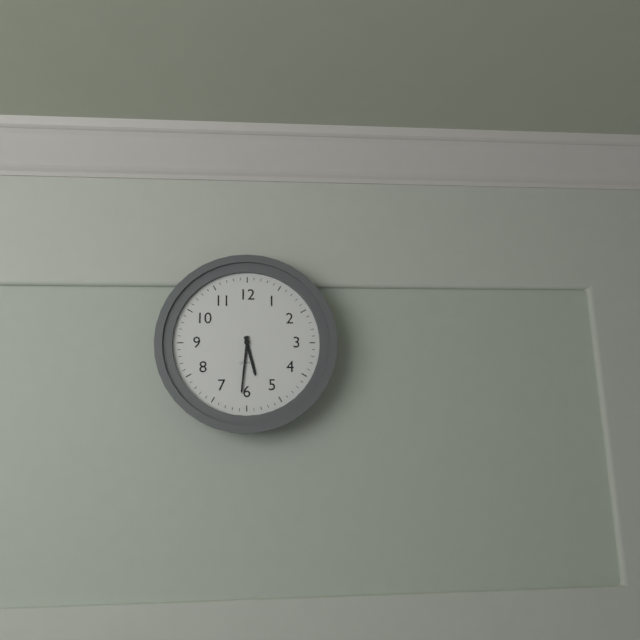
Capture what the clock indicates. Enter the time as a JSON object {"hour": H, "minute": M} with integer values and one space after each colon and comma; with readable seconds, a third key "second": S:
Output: {"hour": 5, "minute": 31}
